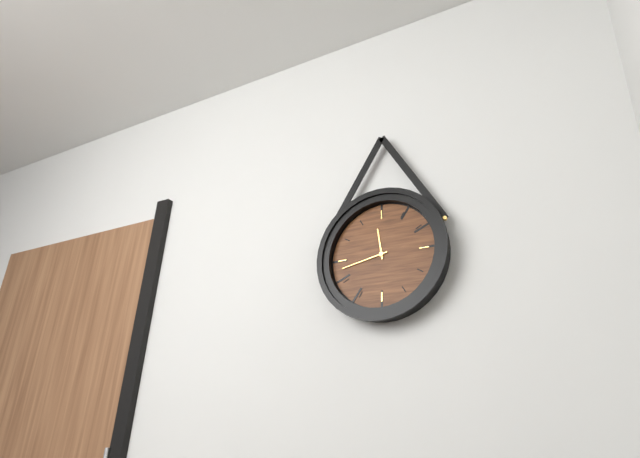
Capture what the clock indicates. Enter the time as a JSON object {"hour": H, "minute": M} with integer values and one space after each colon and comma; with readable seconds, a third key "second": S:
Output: {"hour": 11, "minute": 43}
